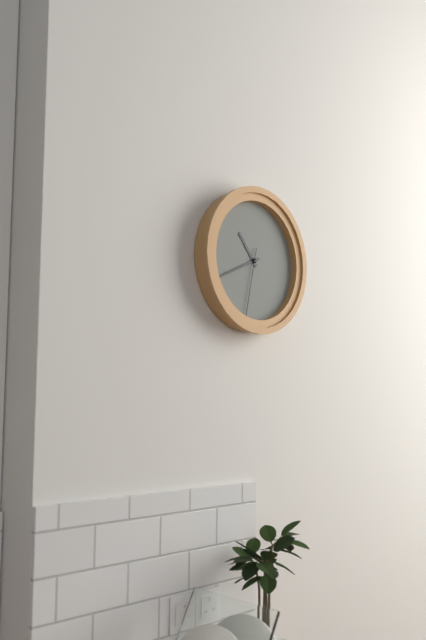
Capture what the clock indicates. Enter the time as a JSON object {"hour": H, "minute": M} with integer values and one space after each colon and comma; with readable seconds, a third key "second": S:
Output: {"hour": 10, "minute": 41, "second": 32}
